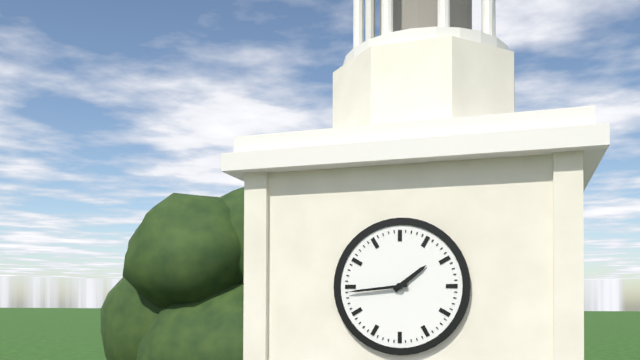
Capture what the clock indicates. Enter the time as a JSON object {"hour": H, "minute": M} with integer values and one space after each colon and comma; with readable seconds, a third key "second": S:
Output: {"hour": 1, "minute": 44}
